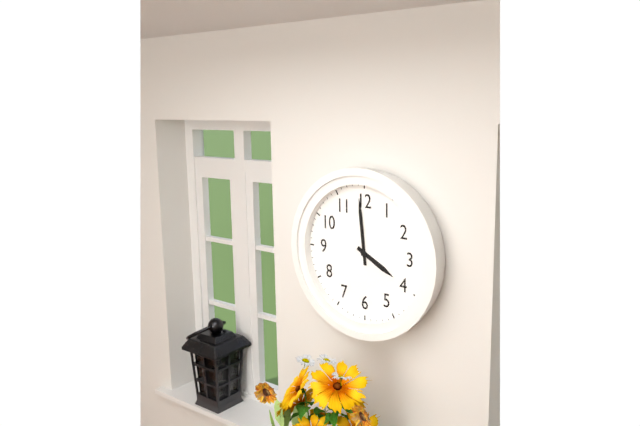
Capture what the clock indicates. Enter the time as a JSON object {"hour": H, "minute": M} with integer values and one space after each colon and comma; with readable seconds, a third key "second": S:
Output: {"hour": 3, "minute": 59}
